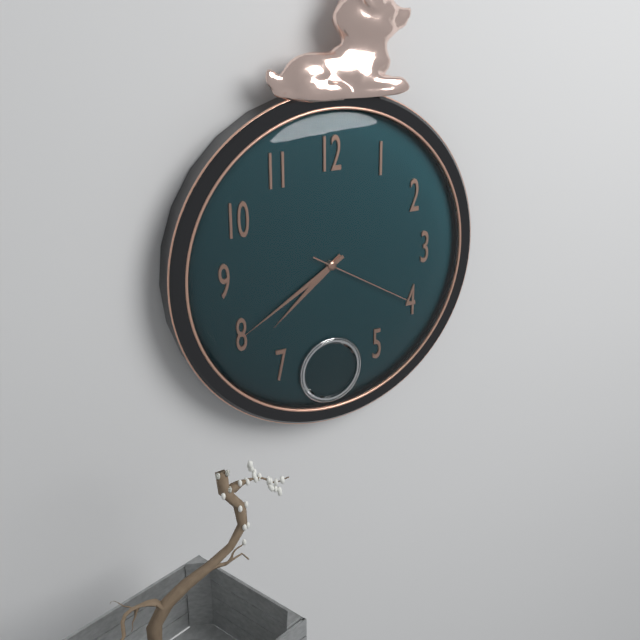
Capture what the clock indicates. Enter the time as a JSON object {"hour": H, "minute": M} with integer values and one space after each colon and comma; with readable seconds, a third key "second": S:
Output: {"hour": 7, "minute": 40, "second": 20}
